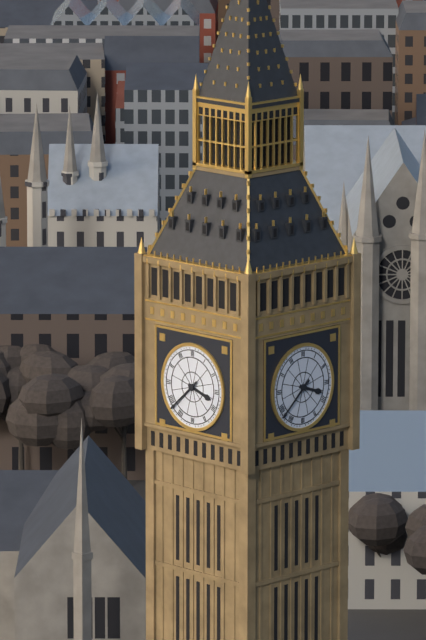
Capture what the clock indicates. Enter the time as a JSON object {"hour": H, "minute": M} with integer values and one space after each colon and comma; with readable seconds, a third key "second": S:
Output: {"hour": 3, "minute": 38}
